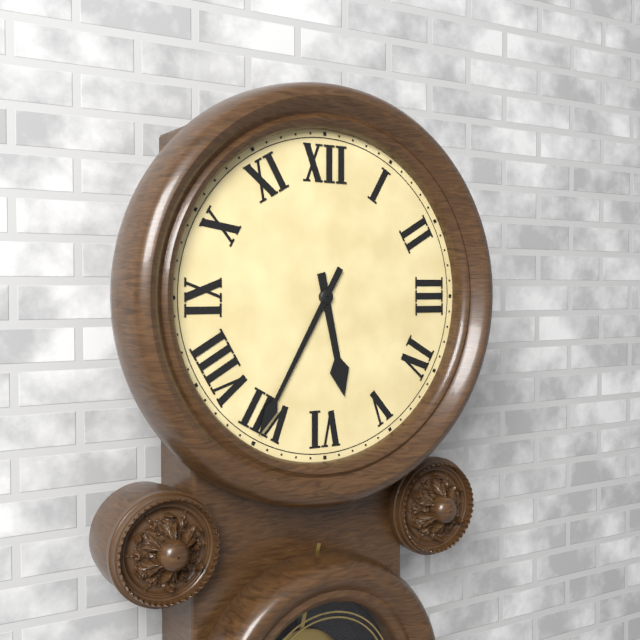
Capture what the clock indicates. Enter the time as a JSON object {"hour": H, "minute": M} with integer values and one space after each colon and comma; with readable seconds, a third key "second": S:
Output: {"hour": 5, "minute": 35}
